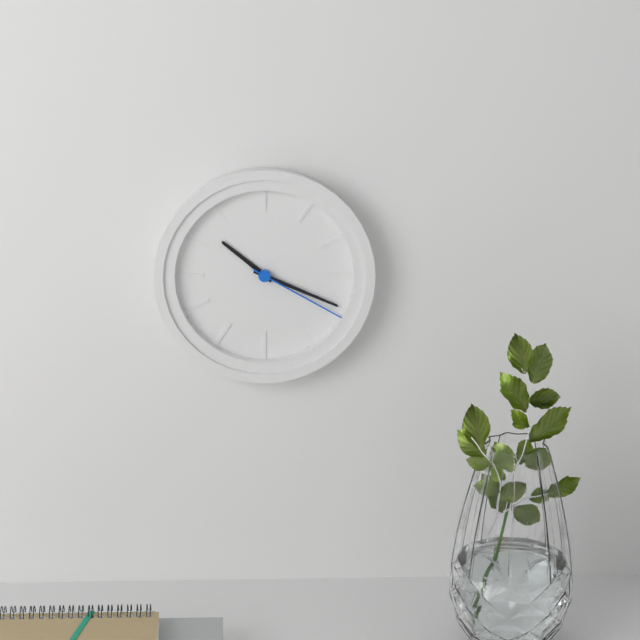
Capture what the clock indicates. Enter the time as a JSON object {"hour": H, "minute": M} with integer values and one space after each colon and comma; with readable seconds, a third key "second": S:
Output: {"hour": 10, "minute": 19, "second": 20}
